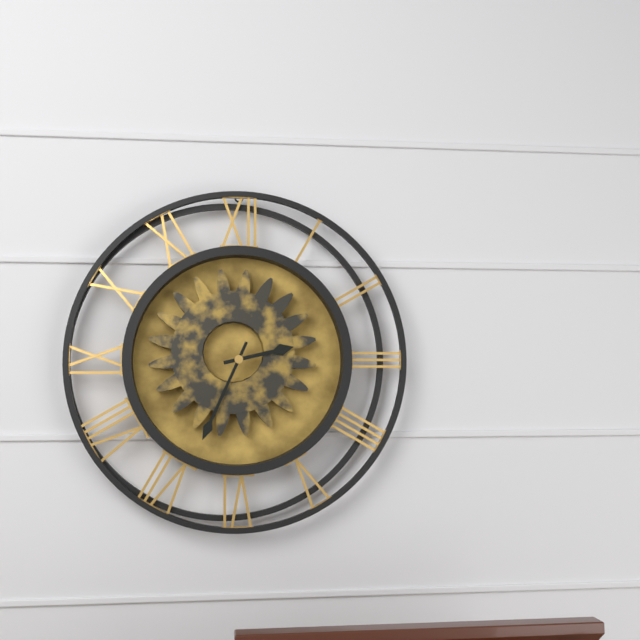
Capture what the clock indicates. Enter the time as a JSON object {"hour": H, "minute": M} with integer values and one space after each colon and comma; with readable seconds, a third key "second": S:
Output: {"hour": 2, "minute": 34}
